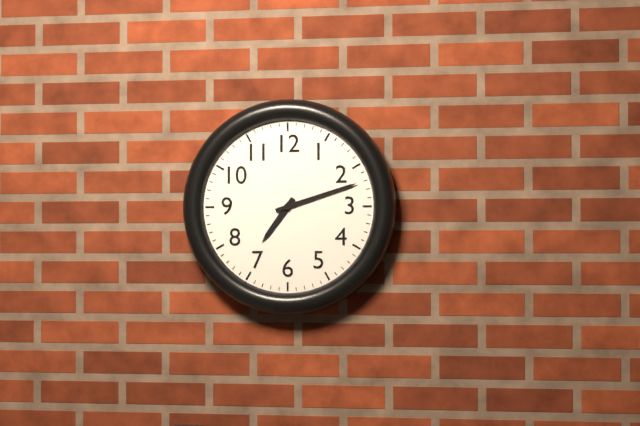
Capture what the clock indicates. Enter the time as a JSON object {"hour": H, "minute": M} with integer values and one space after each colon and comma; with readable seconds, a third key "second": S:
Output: {"hour": 7, "minute": 12}
